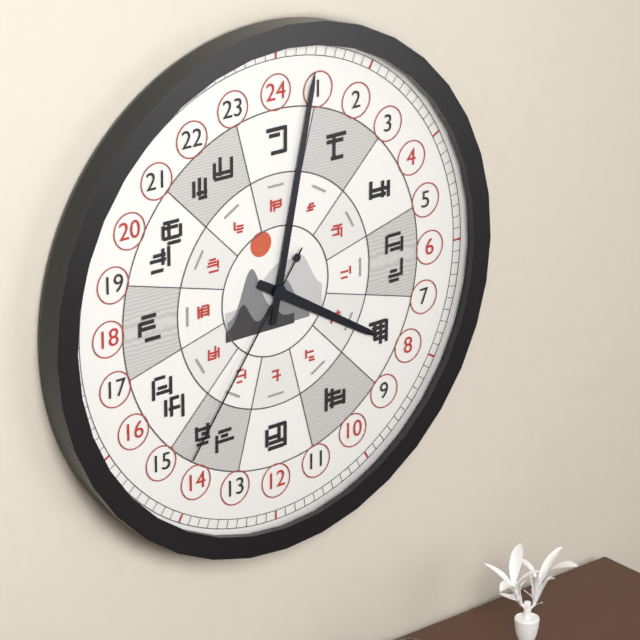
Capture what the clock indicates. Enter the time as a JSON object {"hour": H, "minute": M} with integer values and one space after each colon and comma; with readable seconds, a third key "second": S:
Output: {"hour": 4, "minute": 2, "second": 36}
